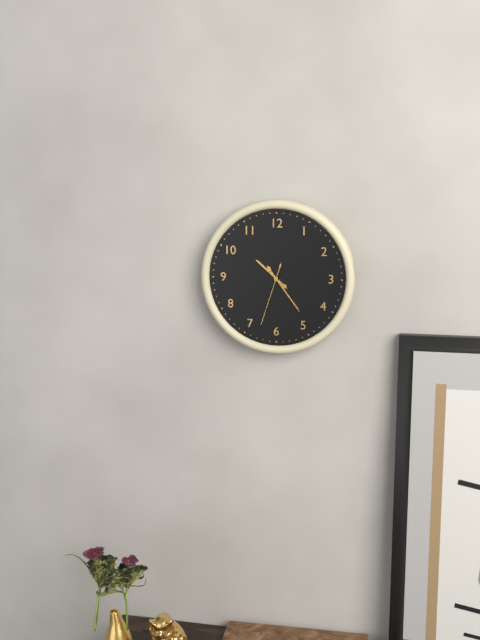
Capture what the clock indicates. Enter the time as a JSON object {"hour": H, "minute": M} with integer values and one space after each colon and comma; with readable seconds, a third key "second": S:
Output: {"hour": 10, "minute": 24, "second": 33}
